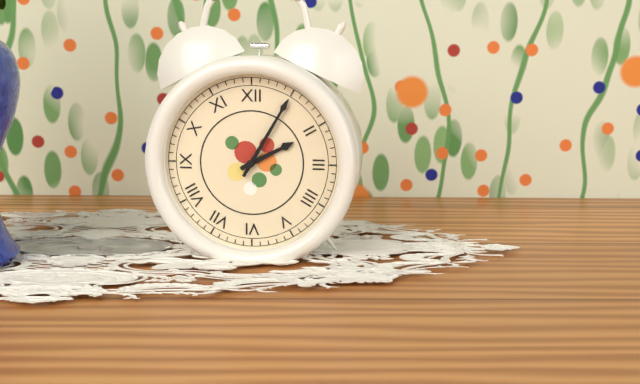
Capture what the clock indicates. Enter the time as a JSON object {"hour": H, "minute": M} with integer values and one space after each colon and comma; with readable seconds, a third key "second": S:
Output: {"hour": 2, "minute": 5}
